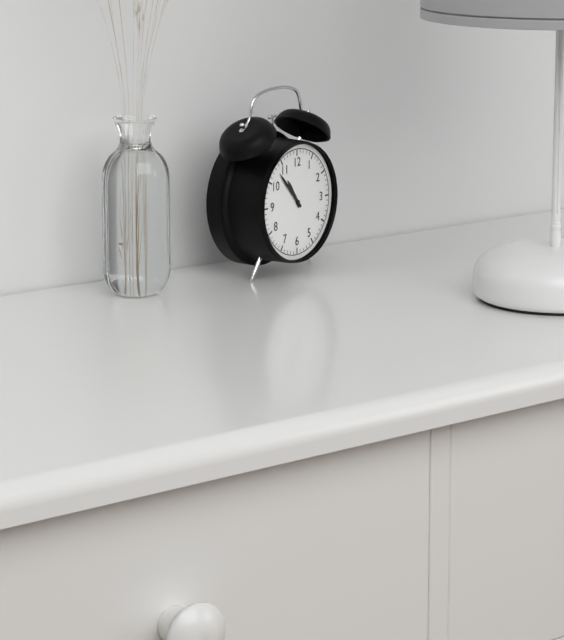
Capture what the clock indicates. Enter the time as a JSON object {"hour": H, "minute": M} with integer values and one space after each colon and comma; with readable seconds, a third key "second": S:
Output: {"hour": 10, "minute": 53}
